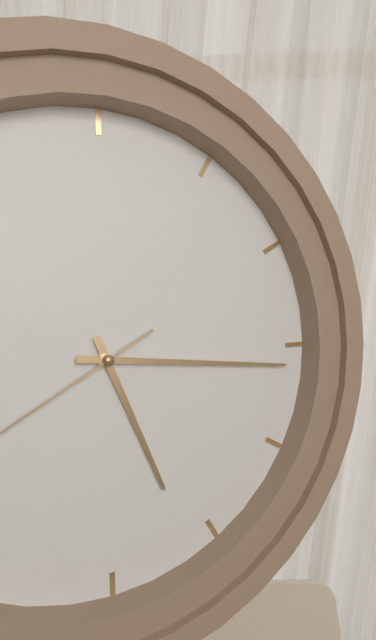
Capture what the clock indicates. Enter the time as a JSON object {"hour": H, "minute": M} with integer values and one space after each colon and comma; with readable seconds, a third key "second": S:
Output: {"hour": 5, "minute": 16}
